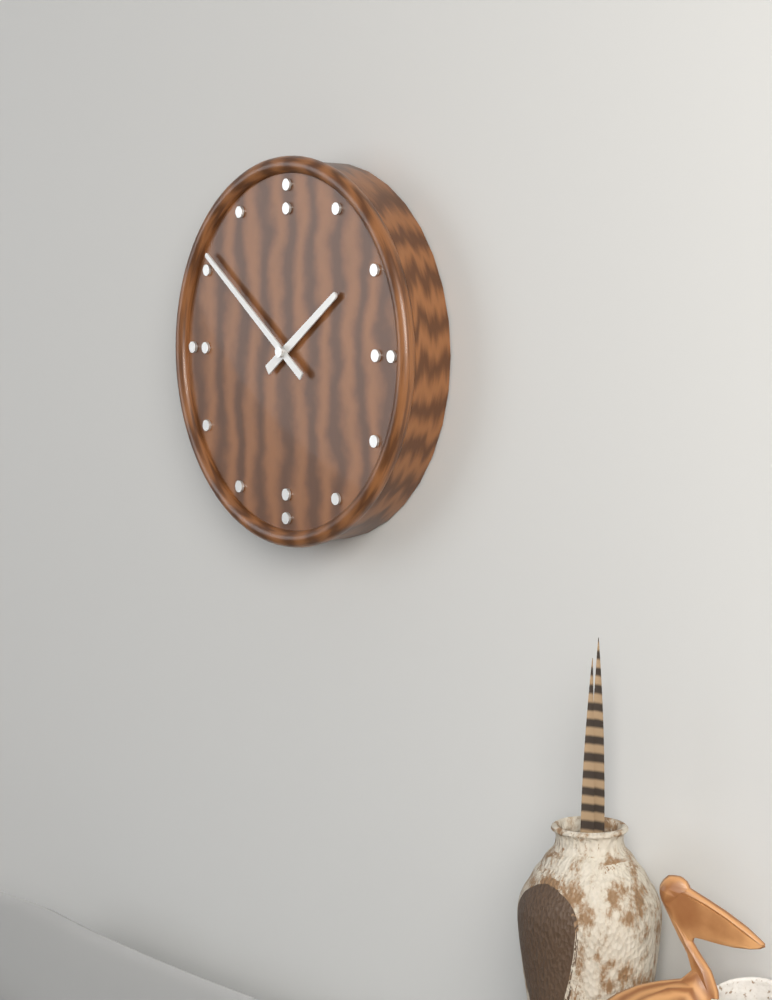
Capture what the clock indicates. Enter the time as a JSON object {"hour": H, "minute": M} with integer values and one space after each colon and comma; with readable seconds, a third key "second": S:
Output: {"hour": 1, "minute": 51}
